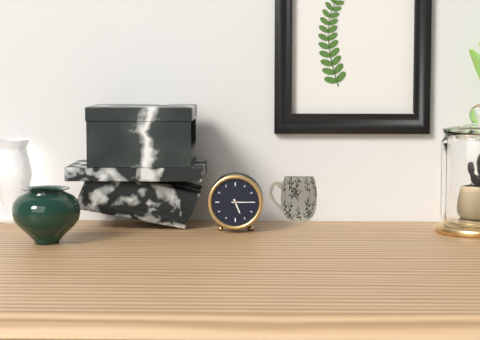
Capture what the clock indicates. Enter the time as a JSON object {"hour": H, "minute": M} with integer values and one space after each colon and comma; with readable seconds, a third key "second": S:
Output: {"hour": 5, "minute": 15}
